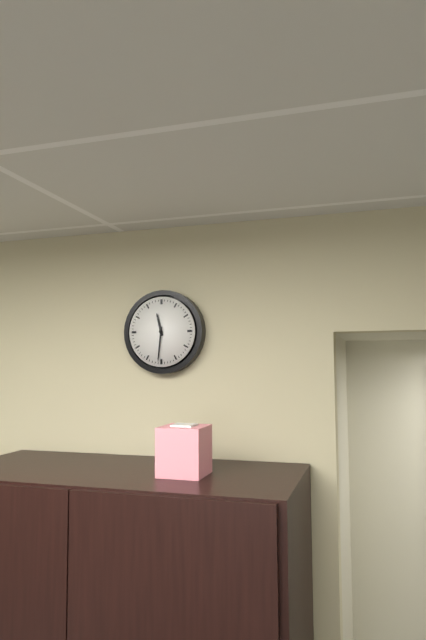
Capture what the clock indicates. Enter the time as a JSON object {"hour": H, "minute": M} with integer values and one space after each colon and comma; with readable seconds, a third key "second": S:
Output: {"hour": 11, "minute": 31}
